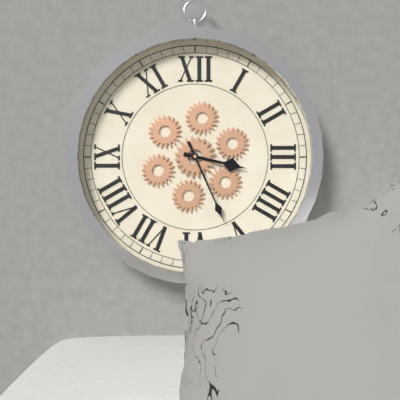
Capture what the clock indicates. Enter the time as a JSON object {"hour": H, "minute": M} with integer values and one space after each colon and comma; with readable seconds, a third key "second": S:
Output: {"hour": 3, "minute": 26}
